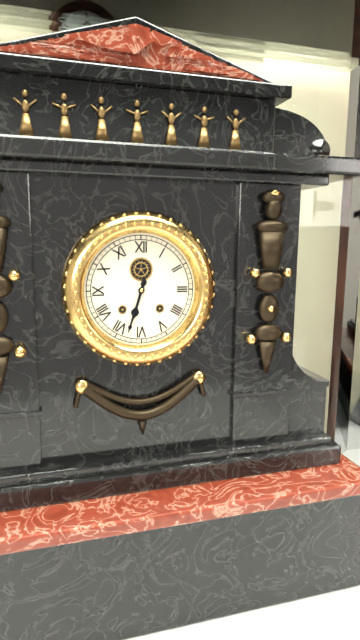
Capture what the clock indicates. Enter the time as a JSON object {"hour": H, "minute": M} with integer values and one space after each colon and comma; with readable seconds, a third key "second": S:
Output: {"hour": 6, "minute": 33}
